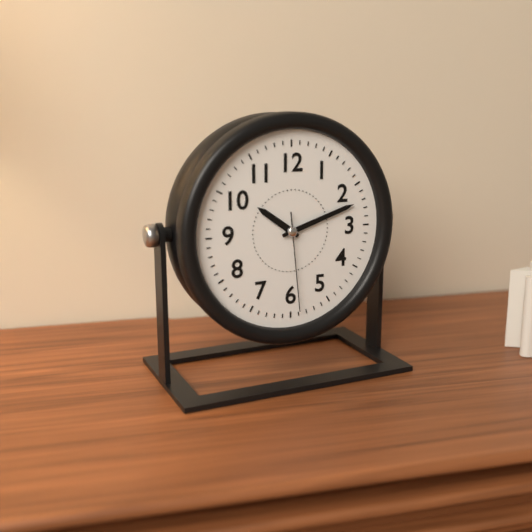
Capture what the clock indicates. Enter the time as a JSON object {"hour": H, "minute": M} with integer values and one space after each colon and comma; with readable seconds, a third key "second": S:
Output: {"hour": 10, "minute": 12, "second": 29}
